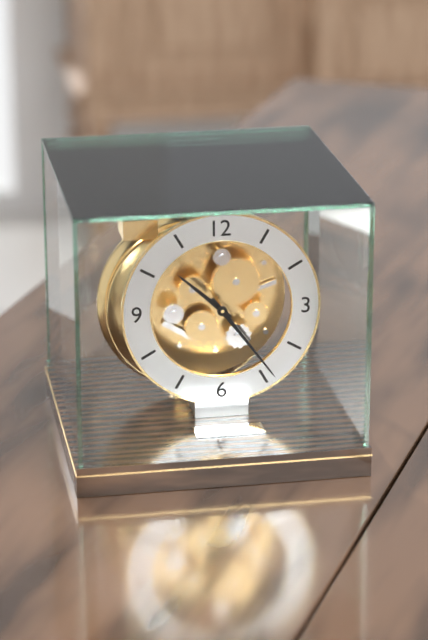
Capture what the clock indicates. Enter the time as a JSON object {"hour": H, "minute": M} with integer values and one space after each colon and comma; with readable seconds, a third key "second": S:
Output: {"hour": 10, "minute": 24}
